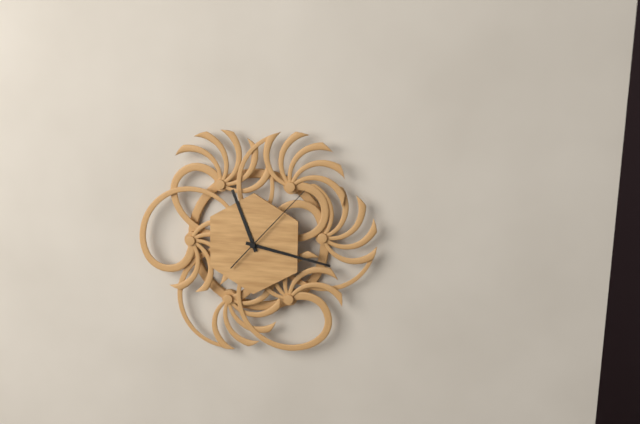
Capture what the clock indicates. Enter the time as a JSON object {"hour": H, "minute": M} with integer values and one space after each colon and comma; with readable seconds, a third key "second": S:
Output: {"hour": 11, "minute": 17, "second": 7}
